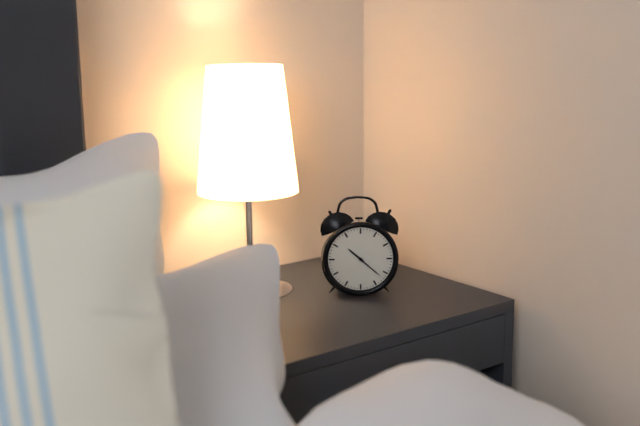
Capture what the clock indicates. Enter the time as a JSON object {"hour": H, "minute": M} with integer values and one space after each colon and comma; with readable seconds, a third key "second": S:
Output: {"hour": 10, "minute": 22}
